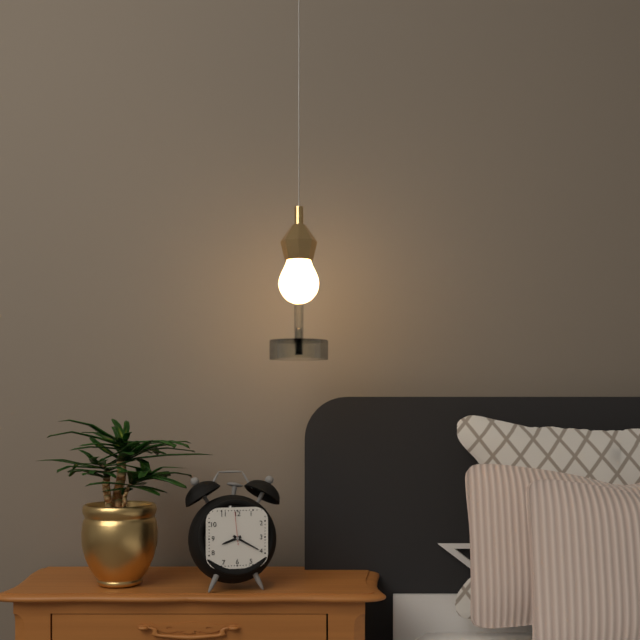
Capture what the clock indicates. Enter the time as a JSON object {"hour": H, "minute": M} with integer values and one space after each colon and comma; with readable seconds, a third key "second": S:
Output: {"hour": 8, "minute": 20}
